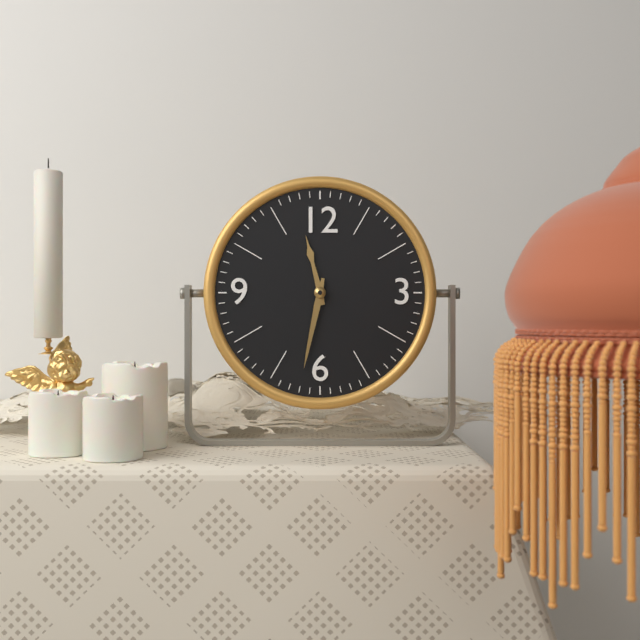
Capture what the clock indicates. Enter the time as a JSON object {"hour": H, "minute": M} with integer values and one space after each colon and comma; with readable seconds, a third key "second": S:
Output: {"hour": 11, "minute": 32}
